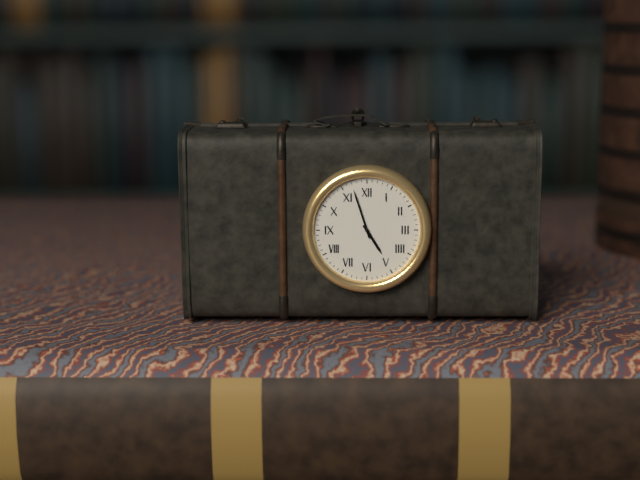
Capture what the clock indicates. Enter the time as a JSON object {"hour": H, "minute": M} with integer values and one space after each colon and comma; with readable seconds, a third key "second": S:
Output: {"hour": 4, "minute": 57}
